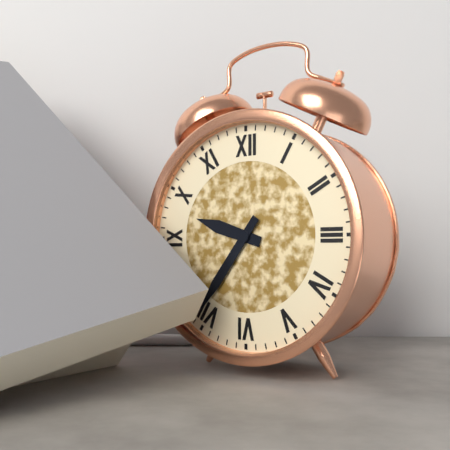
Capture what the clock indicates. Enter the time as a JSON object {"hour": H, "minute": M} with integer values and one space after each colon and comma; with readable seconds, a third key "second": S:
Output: {"hour": 9, "minute": 36}
